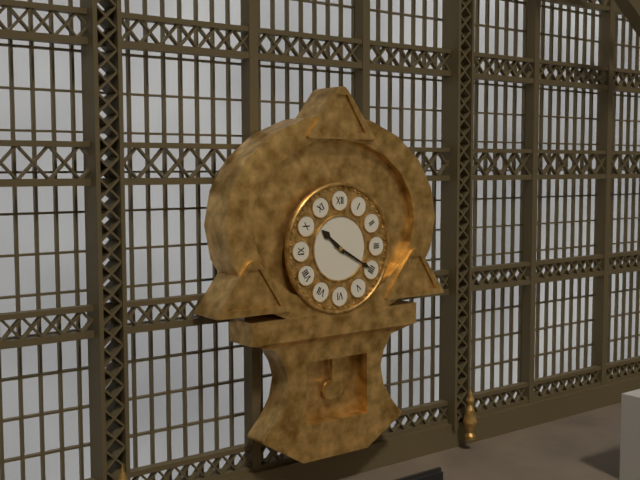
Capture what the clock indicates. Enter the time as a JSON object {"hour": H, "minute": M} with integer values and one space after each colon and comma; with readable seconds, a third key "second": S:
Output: {"hour": 10, "minute": 20}
